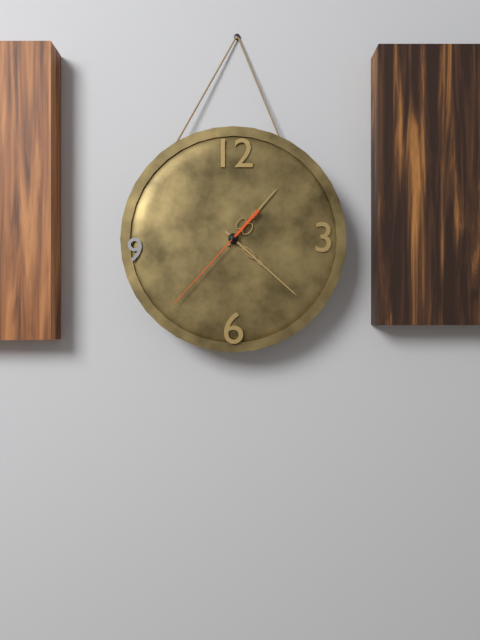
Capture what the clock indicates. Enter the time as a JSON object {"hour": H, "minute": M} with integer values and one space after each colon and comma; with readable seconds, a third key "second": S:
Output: {"hour": 1, "minute": 22, "second": 37}
